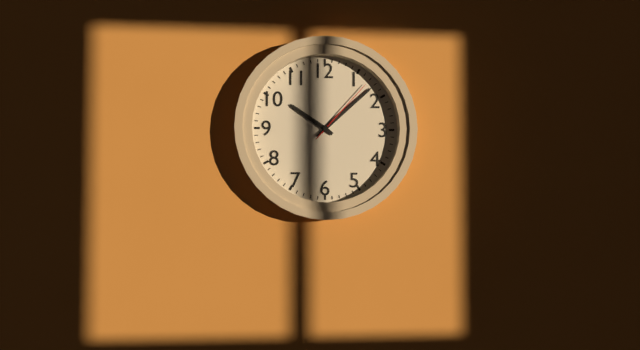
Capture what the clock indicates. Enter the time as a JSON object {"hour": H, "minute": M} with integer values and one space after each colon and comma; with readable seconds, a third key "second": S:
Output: {"hour": 10, "minute": 8, "second": 7}
